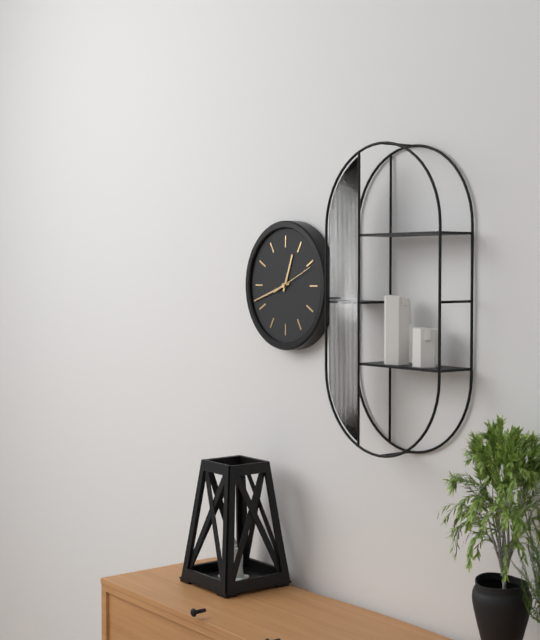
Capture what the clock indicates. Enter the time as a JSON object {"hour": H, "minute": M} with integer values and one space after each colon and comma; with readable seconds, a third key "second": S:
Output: {"hour": 12, "minute": 42}
